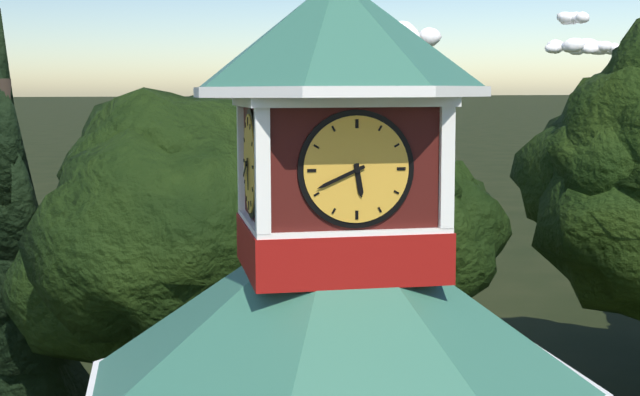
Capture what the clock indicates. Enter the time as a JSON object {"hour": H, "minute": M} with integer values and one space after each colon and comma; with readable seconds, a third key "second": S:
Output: {"hour": 5, "minute": 41}
